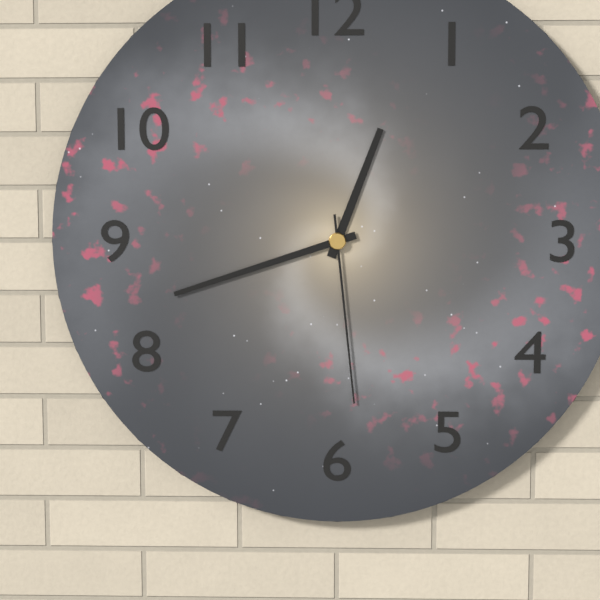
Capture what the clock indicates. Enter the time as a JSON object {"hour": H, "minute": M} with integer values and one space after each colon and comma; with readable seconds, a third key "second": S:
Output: {"hour": 12, "minute": 42, "second": 29}
